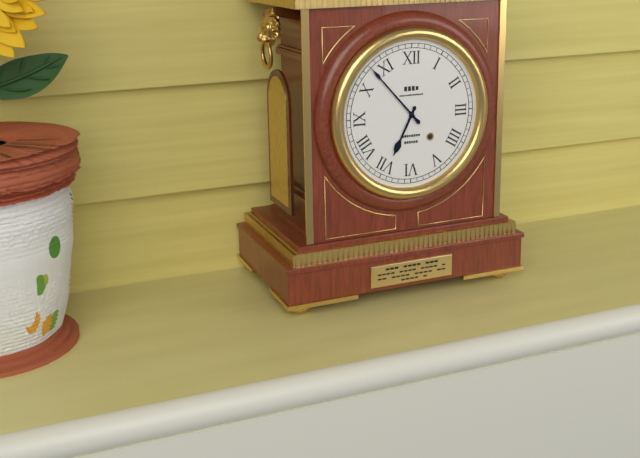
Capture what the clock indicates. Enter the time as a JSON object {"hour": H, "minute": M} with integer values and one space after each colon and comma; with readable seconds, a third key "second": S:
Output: {"hour": 6, "minute": 53}
